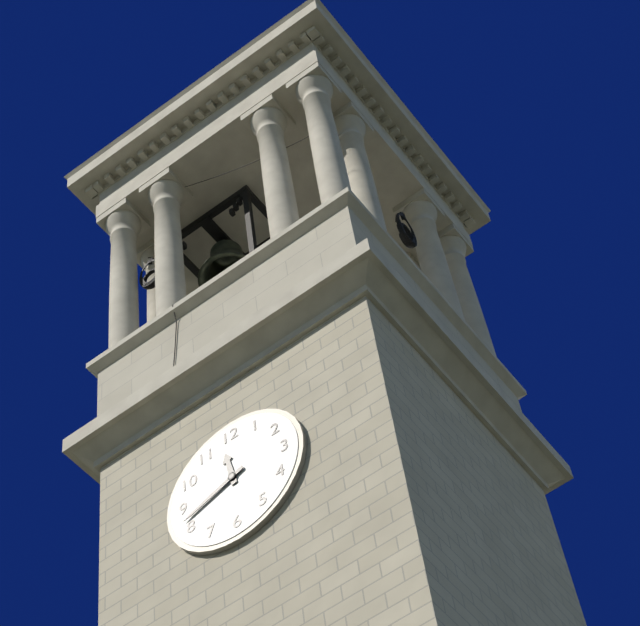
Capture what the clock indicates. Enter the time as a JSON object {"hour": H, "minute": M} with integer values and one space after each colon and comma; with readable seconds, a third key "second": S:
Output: {"hour": 11, "minute": 42}
